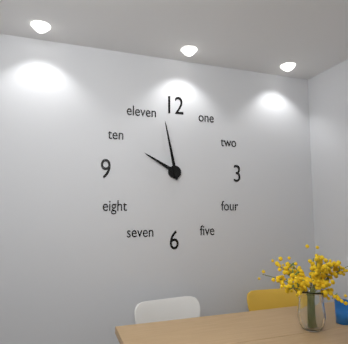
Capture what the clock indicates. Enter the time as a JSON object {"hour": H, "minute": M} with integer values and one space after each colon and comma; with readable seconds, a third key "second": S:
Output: {"hour": 9, "minute": 58}
